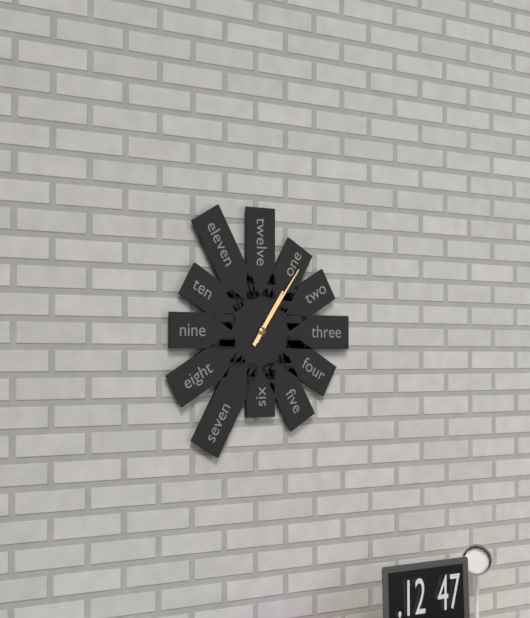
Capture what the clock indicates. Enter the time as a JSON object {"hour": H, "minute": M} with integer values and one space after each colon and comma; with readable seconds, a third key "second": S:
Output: {"hour": 1, "minute": 6}
